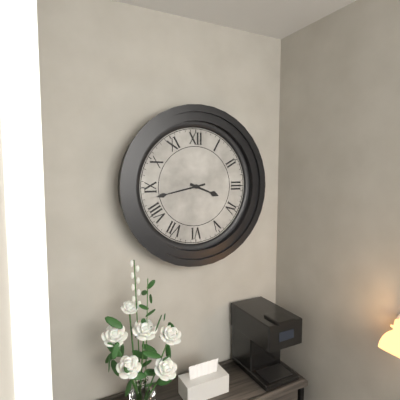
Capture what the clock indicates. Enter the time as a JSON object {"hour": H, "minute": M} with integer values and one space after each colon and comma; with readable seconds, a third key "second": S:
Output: {"hour": 3, "minute": 43}
